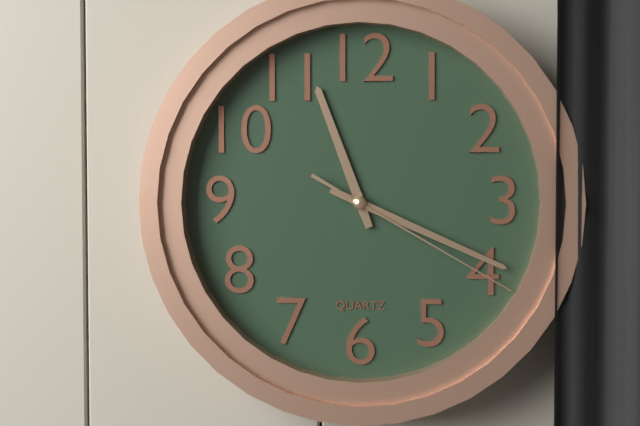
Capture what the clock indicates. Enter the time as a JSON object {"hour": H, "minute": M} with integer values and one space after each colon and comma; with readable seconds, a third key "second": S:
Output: {"hour": 11, "minute": 19, "second": 20}
